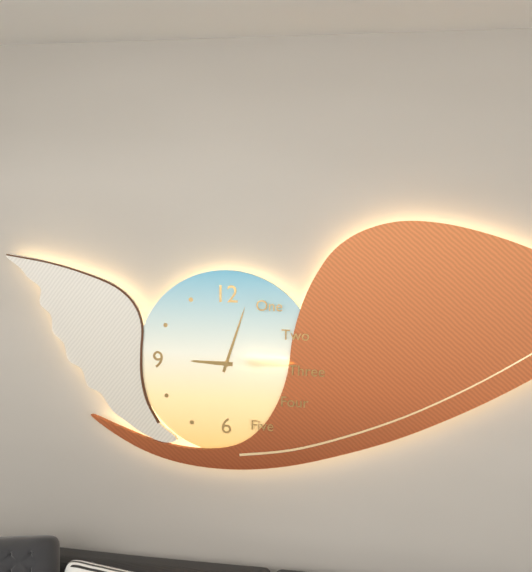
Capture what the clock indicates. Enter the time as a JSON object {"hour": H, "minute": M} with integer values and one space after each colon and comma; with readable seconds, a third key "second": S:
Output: {"hour": 9, "minute": 3}
